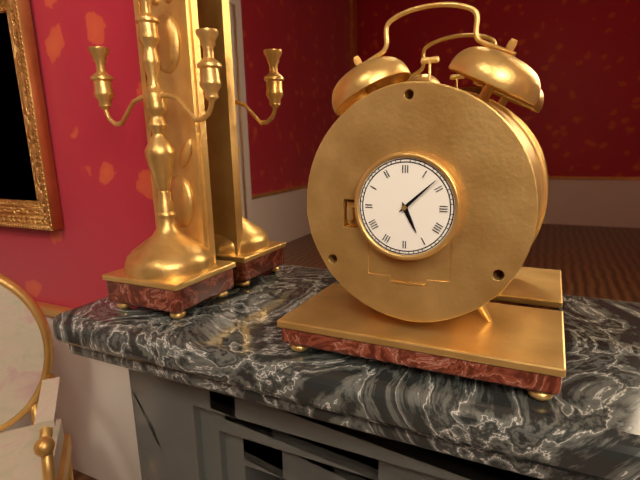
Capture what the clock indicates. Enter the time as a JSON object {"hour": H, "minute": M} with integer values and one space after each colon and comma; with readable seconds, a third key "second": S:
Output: {"hour": 5, "minute": 8}
